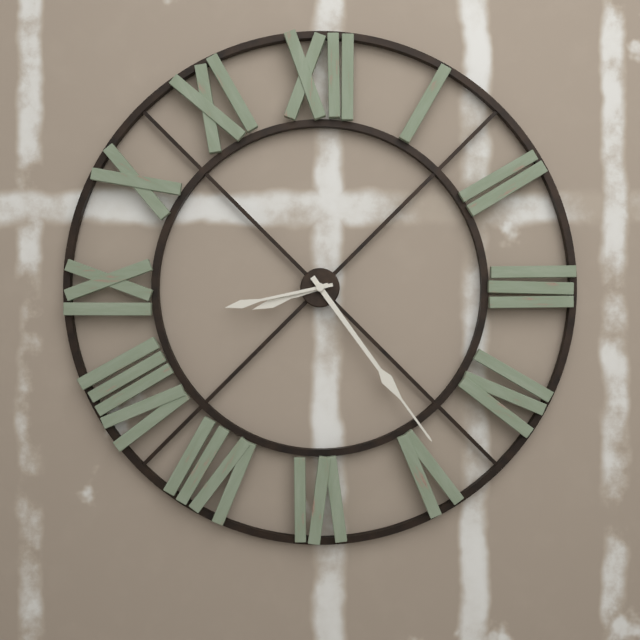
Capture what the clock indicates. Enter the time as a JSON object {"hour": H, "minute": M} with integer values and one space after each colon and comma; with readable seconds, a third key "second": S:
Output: {"hour": 8, "minute": 24, "second": 43}
